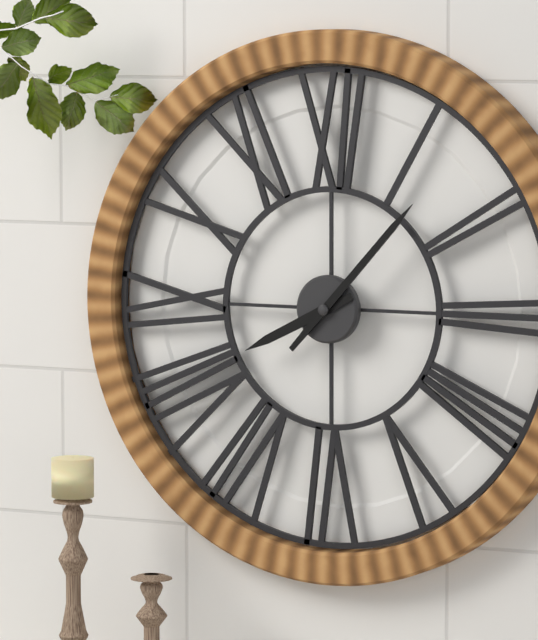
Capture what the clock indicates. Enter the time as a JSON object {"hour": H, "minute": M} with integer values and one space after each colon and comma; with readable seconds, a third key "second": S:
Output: {"hour": 8, "minute": 7}
